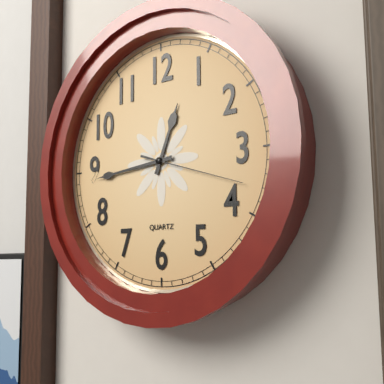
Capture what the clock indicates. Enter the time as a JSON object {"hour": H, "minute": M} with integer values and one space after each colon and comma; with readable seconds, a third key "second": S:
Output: {"hour": 12, "minute": 44, "second": 18}
